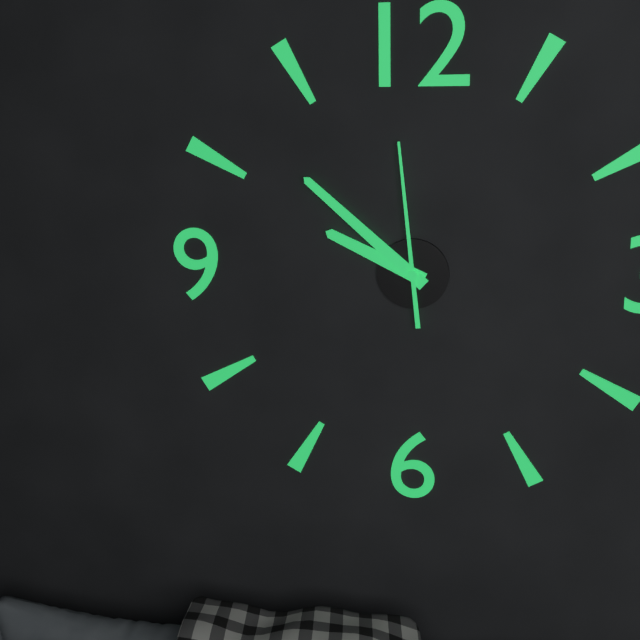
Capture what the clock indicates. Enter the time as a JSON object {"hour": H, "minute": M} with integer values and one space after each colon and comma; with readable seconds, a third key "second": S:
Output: {"hour": 9, "minute": 52, "second": 59}
